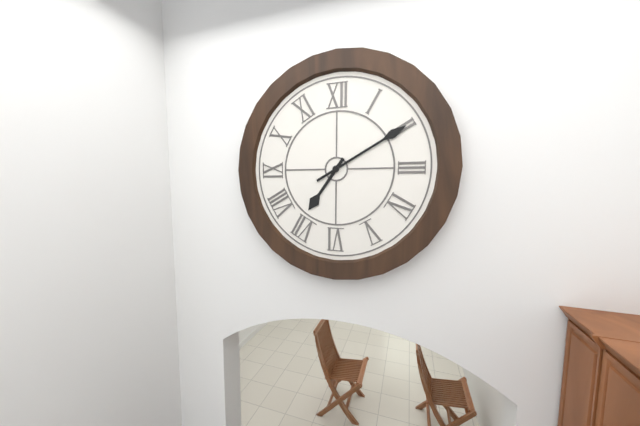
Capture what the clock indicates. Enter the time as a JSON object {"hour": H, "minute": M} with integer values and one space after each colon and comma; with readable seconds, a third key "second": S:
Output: {"hour": 7, "minute": 10}
